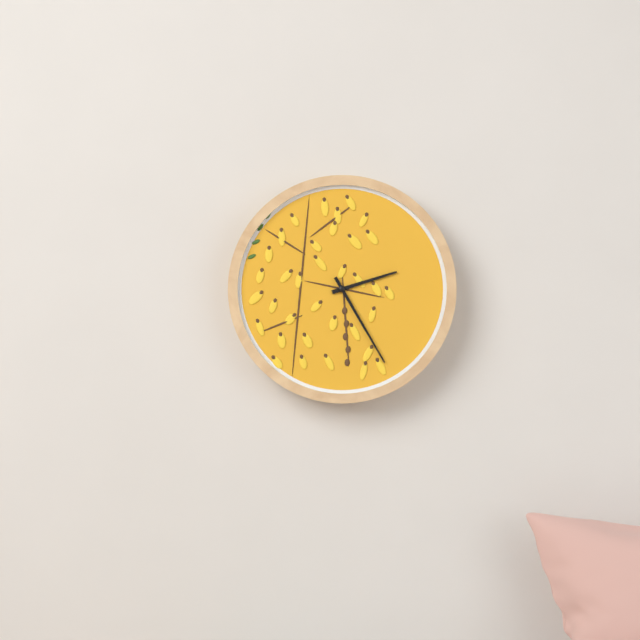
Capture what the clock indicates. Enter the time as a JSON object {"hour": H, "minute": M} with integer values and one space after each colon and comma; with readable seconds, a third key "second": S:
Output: {"hour": 2, "minute": 25}
